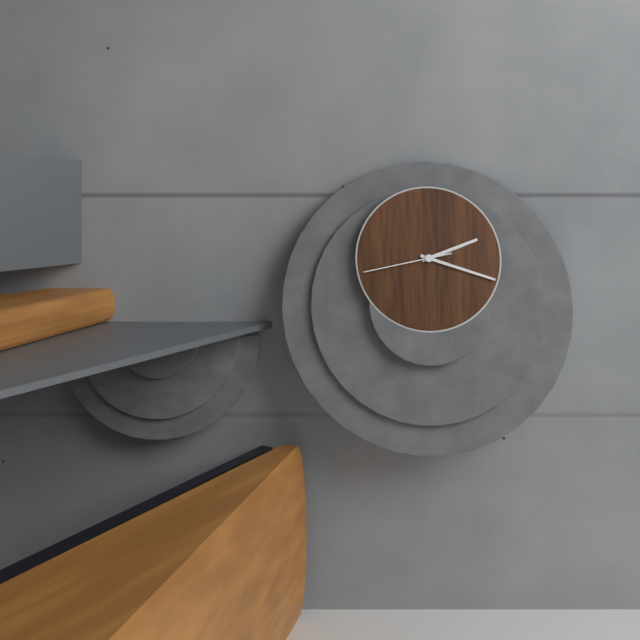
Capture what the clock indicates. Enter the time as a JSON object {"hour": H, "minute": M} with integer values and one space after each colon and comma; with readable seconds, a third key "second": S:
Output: {"hour": 2, "minute": 18, "second": 43}
